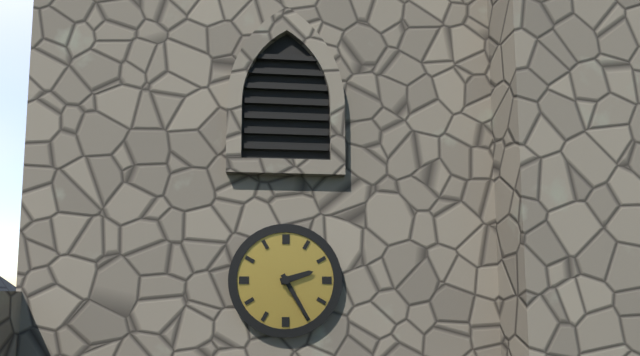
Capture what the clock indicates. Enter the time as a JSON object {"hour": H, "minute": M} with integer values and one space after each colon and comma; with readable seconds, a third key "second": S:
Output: {"hour": 2, "minute": 25}
